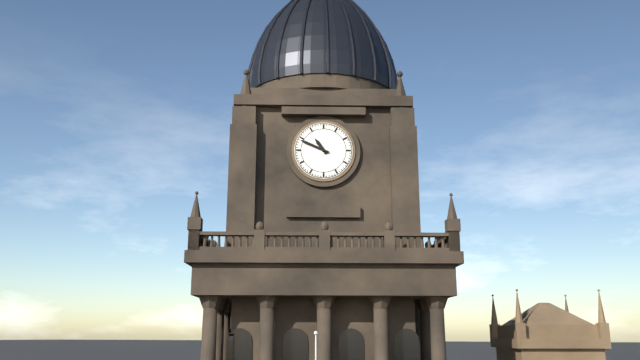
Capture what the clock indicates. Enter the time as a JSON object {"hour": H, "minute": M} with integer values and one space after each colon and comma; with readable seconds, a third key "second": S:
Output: {"hour": 10, "minute": 49}
